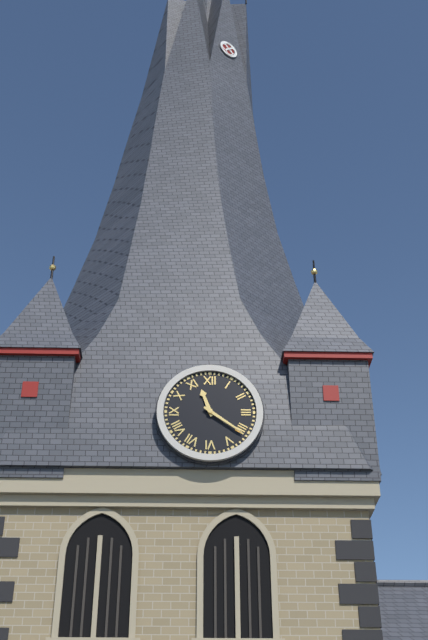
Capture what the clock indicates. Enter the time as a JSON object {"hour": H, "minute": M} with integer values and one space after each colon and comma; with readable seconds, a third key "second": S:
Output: {"hour": 11, "minute": 21}
